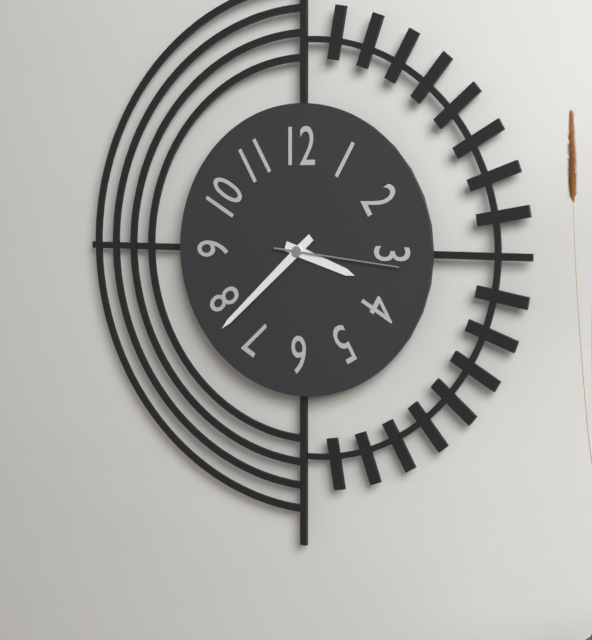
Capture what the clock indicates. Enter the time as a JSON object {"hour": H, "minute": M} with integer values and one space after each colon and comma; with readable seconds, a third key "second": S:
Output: {"hour": 3, "minute": 38, "second": 16}
